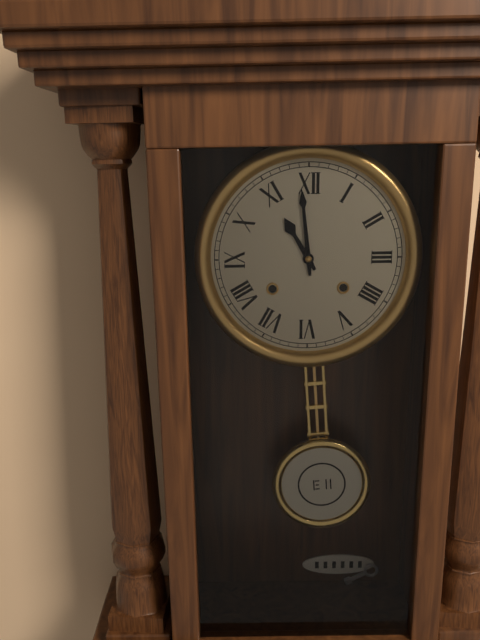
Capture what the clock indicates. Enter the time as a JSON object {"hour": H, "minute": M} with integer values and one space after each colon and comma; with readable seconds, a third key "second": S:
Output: {"hour": 10, "minute": 59}
